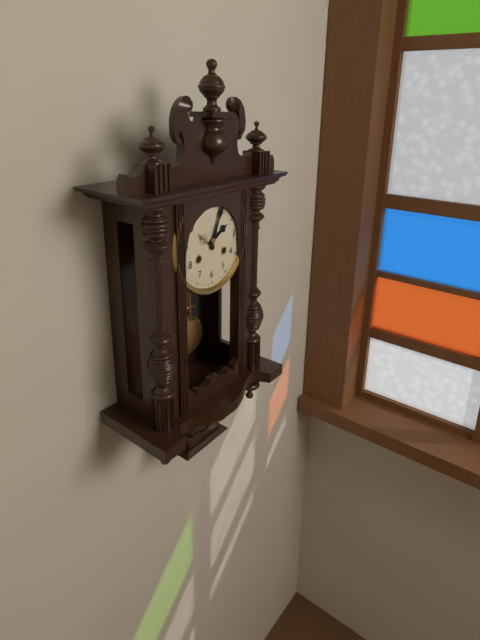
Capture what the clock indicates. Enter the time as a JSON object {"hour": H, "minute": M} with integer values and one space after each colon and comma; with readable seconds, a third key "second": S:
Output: {"hour": 2, "minute": 4}
